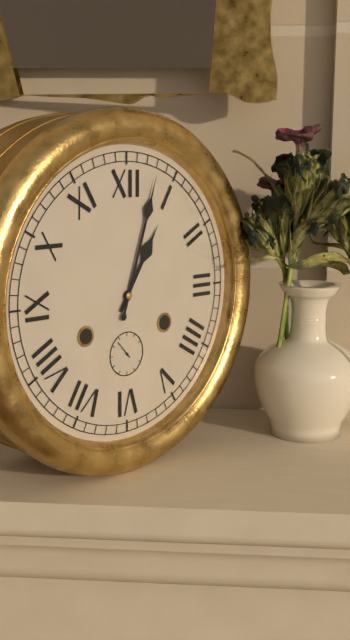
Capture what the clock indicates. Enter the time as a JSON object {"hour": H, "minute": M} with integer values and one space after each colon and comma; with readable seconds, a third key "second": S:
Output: {"hour": 1, "minute": 3}
